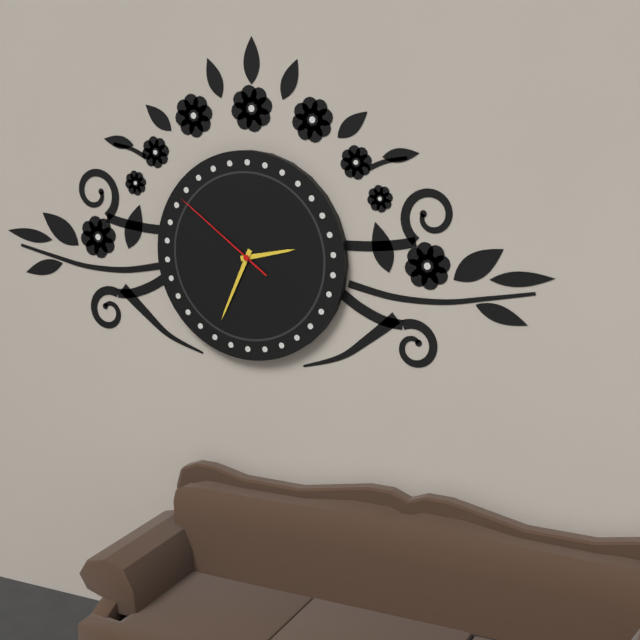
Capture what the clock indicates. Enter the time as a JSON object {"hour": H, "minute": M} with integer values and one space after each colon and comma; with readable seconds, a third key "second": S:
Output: {"hour": 2, "minute": 34, "second": 51}
